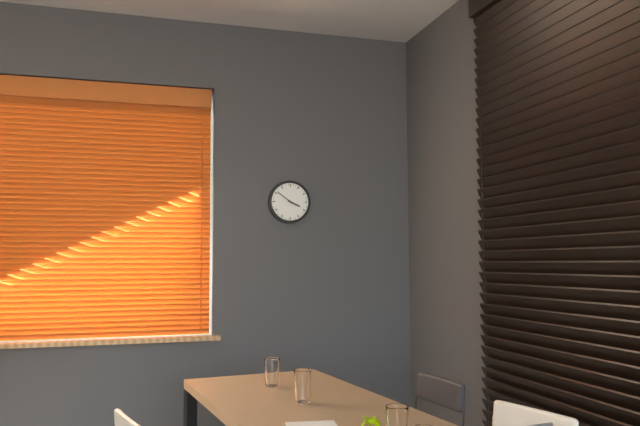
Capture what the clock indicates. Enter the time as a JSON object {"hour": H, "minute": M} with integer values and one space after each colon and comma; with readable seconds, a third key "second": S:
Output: {"hour": 3, "minute": 51}
